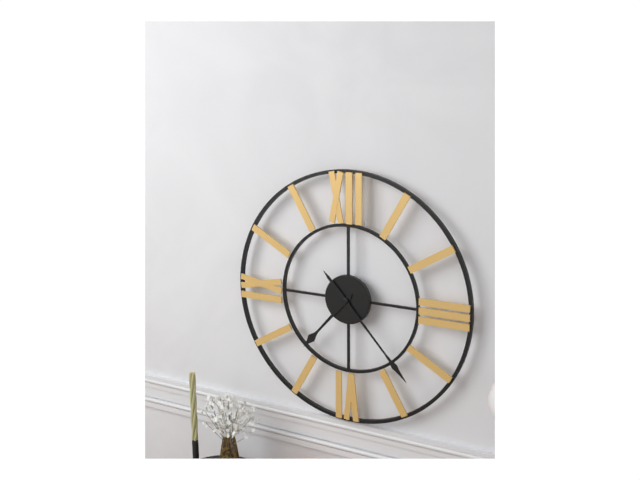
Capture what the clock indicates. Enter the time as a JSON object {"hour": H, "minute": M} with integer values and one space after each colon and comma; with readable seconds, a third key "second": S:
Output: {"hour": 7, "minute": 23}
